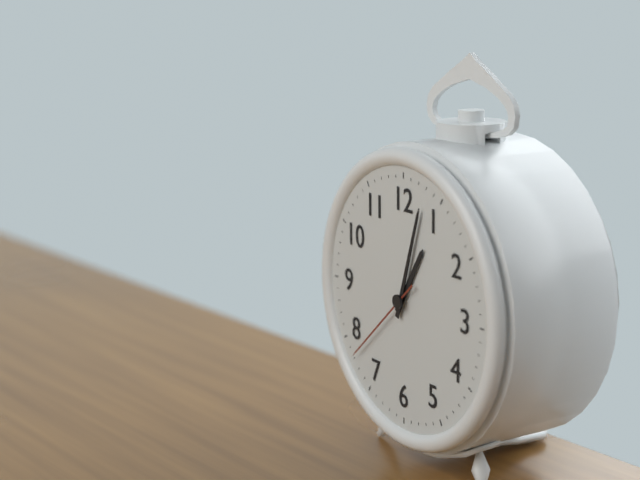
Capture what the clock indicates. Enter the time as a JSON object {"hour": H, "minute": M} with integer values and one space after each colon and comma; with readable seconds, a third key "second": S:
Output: {"hour": 1, "minute": 3, "second": 38}
